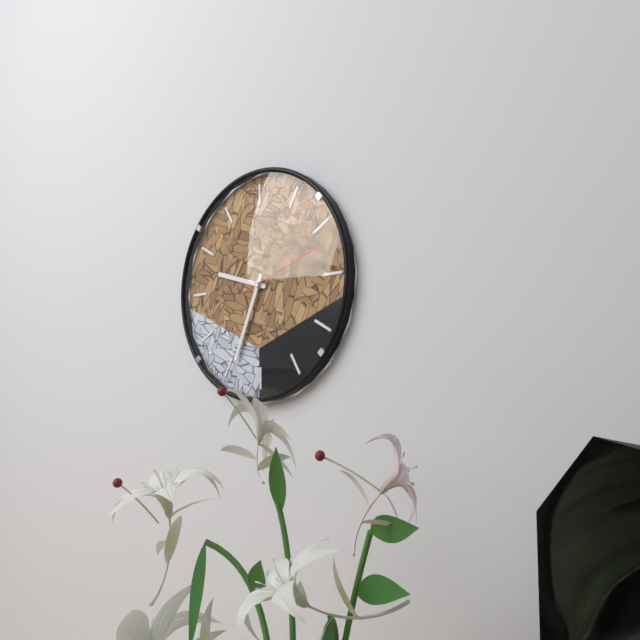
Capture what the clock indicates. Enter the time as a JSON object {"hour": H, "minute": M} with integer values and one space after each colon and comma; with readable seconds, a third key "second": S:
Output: {"hour": 9, "minute": 34, "second": 12}
